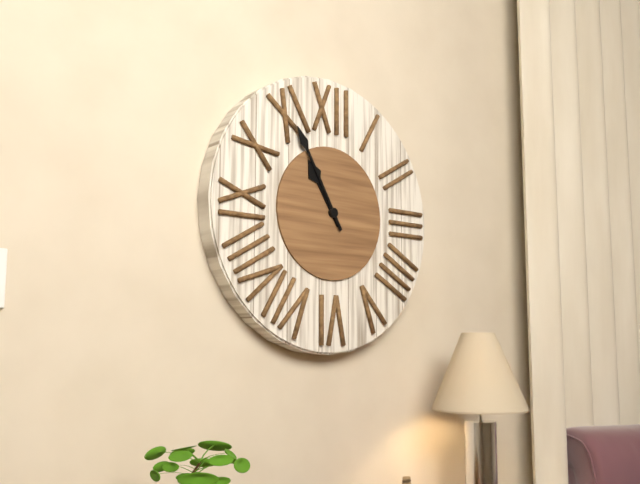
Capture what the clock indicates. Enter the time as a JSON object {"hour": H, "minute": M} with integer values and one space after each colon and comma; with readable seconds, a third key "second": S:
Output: {"hour": 10, "minute": 55}
